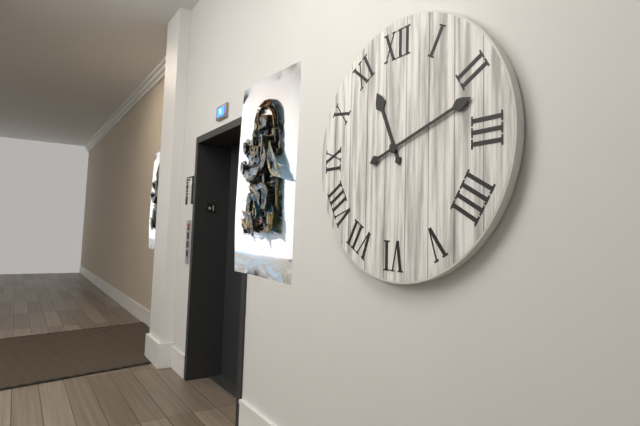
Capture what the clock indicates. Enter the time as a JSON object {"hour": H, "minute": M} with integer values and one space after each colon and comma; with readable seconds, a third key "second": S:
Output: {"hour": 11, "minute": 12}
